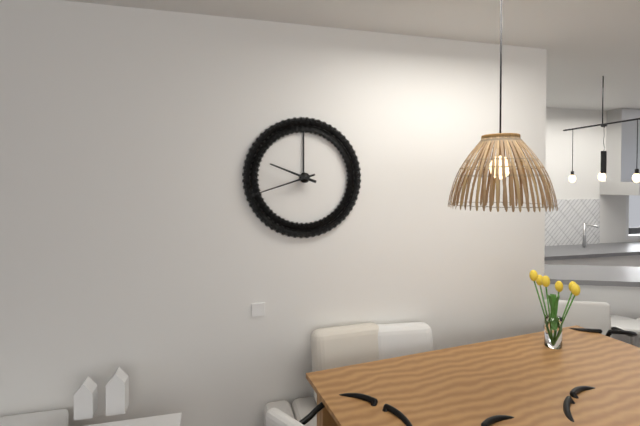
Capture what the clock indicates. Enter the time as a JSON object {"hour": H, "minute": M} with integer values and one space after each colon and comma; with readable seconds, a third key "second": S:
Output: {"hour": 9, "minute": 42}
